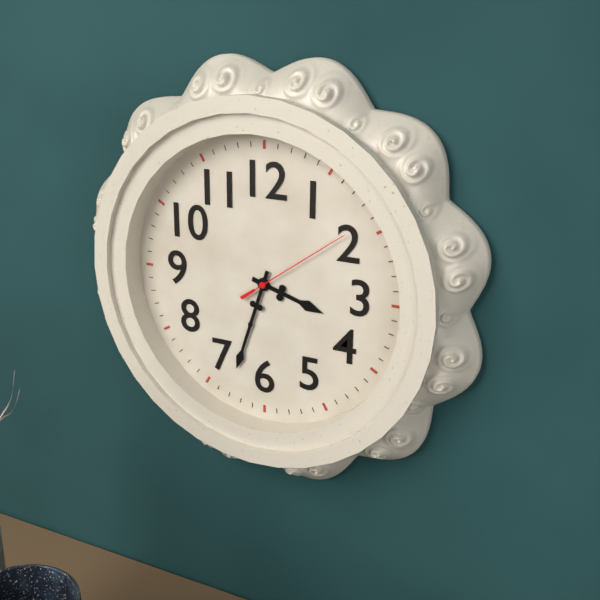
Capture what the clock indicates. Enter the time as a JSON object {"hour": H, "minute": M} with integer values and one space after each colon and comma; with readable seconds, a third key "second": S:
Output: {"hour": 3, "minute": 33, "second": 9}
